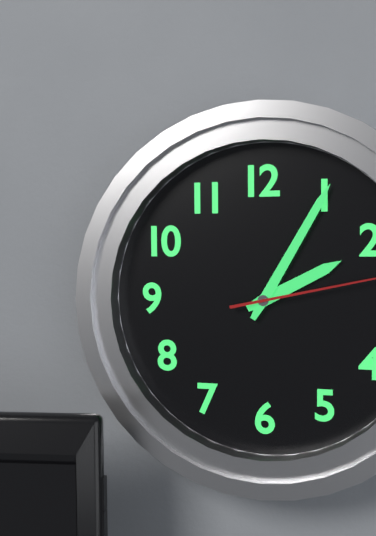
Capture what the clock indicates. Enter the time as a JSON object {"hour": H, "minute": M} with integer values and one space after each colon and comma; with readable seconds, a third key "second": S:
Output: {"hour": 2, "minute": 5}
